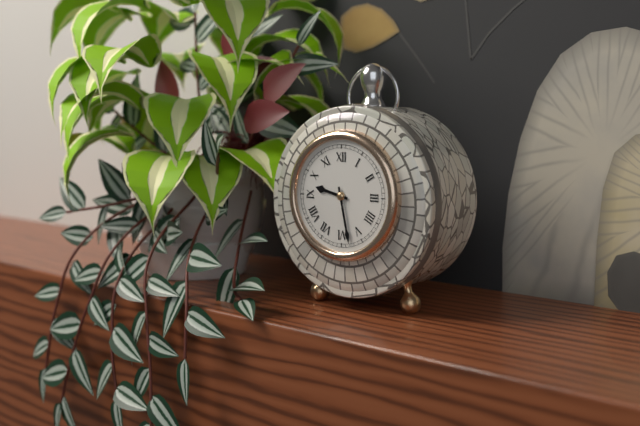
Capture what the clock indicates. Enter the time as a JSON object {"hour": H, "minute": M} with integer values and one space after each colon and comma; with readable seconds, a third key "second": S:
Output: {"hour": 9, "minute": 28}
